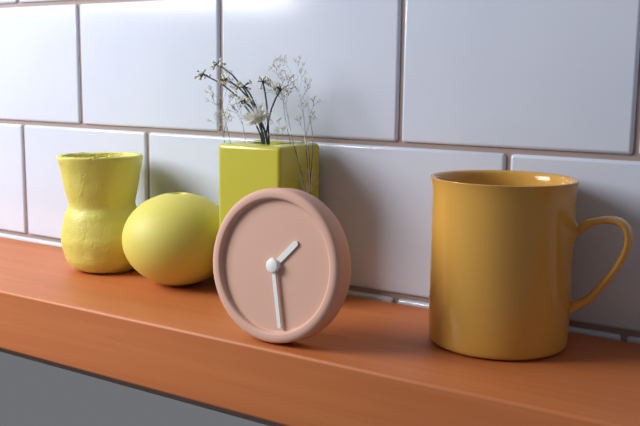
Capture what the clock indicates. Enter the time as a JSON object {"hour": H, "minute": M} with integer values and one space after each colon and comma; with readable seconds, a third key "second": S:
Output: {"hour": 1, "minute": 28}
